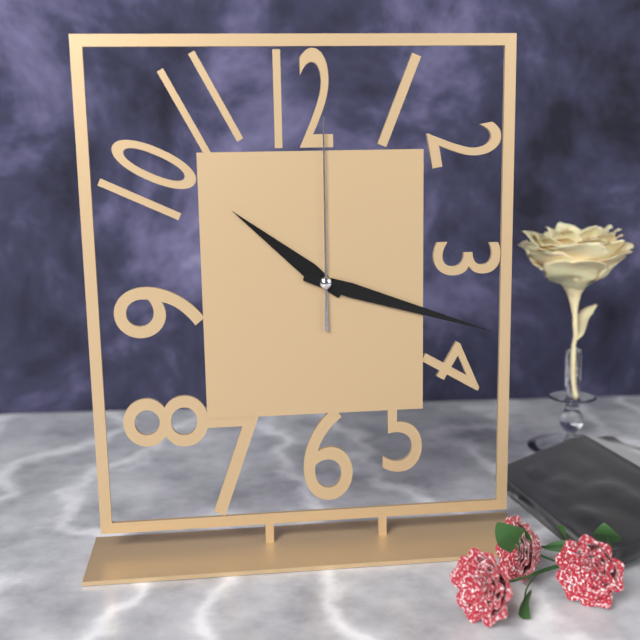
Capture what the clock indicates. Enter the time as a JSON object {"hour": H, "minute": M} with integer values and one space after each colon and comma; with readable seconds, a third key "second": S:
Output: {"hour": 10, "minute": 18, "second": 0}
